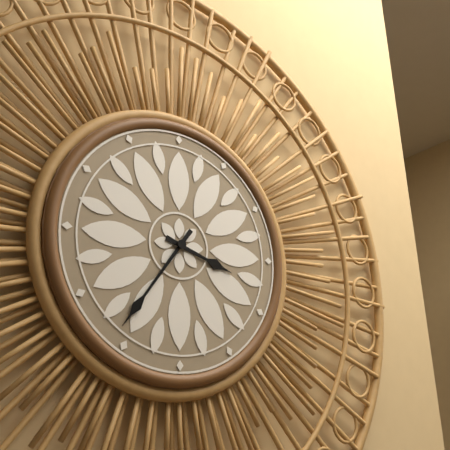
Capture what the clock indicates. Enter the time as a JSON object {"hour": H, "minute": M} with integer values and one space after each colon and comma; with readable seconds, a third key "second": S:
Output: {"hour": 3, "minute": 36}
